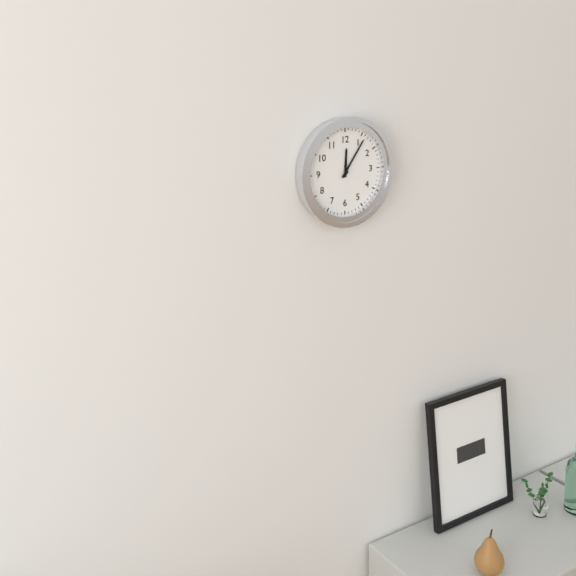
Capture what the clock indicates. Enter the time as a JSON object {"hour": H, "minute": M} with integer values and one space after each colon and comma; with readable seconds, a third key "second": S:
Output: {"hour": 12, "minute": 6}
